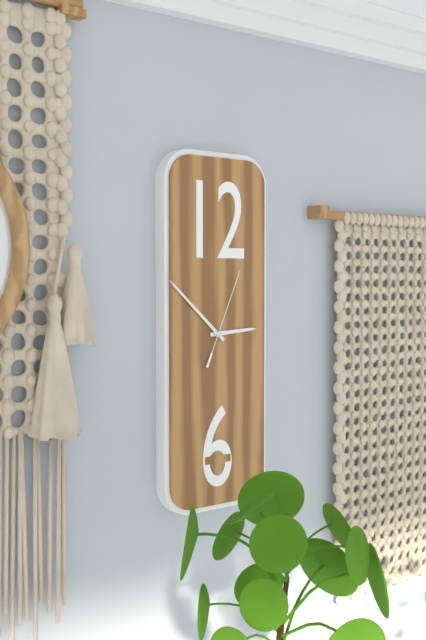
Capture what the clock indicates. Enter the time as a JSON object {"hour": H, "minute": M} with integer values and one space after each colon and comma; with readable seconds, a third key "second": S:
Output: {"hour": 2, "minute": 52, "second": 4}
